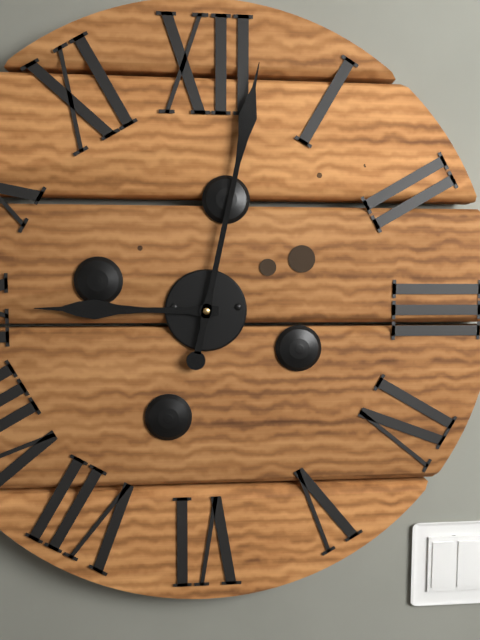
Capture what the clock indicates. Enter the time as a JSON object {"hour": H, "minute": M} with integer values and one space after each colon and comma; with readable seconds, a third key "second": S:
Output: {"hour": 9, "minute": 2}
